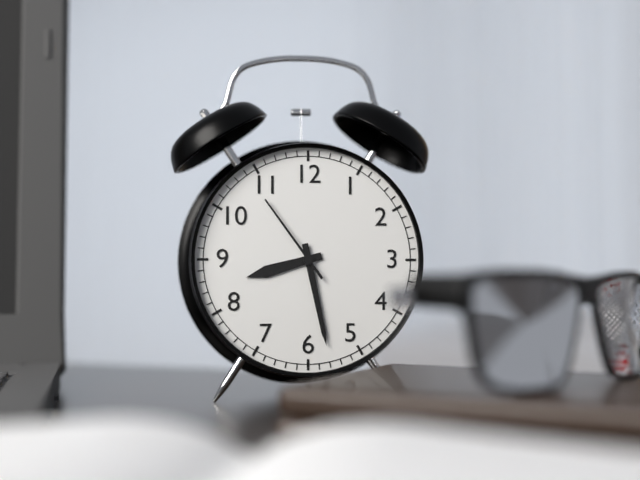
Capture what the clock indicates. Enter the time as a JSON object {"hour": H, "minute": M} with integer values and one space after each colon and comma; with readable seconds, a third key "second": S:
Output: {"hour": 8, "minute": 28, "second": 54}
